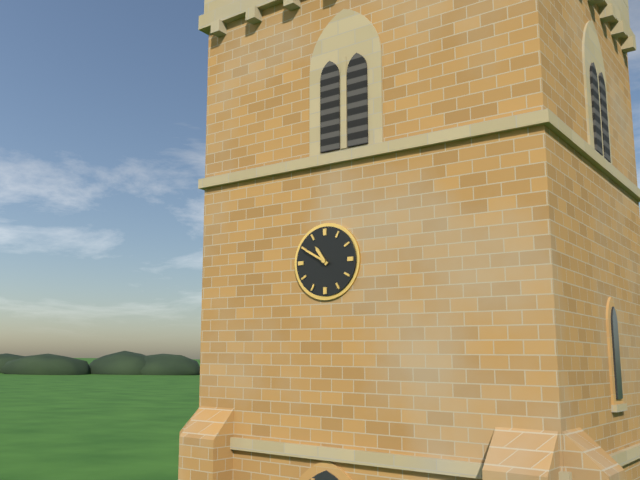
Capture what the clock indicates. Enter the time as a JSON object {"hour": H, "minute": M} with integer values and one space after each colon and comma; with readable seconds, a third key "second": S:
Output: {"hour": 10, "minute": 50}
